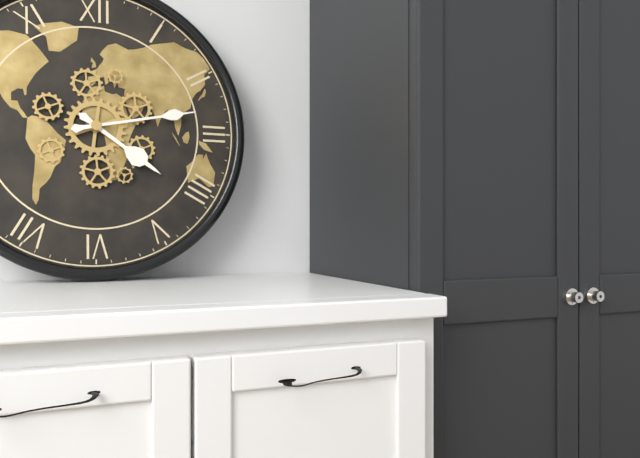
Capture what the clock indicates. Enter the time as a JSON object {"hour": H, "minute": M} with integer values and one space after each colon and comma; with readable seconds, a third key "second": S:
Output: {"hour": 4, "minute": 13}
